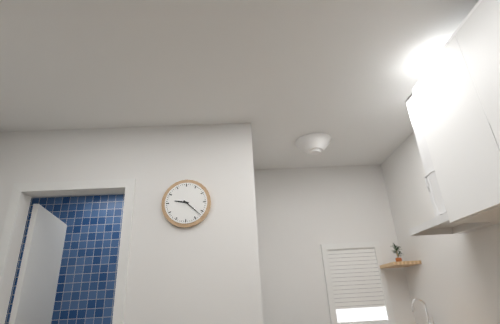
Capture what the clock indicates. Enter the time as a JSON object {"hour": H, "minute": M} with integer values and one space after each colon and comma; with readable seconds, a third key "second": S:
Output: {"hour": 9, "minute": 22}
